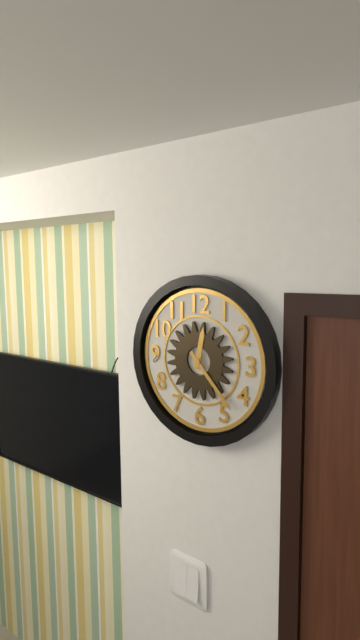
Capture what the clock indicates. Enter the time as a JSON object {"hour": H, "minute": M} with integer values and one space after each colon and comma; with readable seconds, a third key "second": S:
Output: {"hour": 12, "minute": 23}
